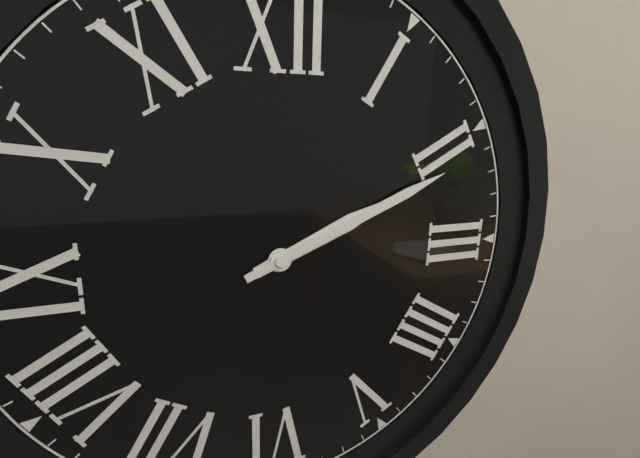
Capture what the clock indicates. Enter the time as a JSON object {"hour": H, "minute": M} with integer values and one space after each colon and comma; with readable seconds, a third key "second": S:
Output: {"hour": 2, "minute": 11}
